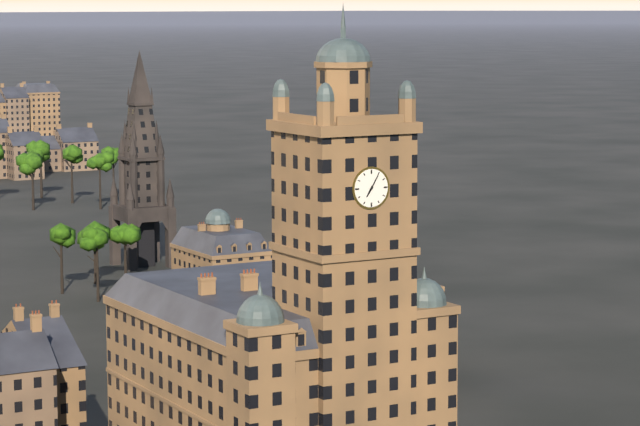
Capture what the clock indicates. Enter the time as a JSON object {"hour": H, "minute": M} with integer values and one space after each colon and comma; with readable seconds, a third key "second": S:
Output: {"hour": 7, "minute": 5}
